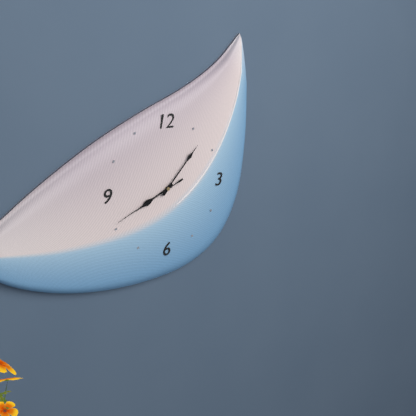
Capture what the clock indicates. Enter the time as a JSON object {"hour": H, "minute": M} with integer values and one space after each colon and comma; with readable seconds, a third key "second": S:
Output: {"hour": 8, "minute": 7, "second": 41}
